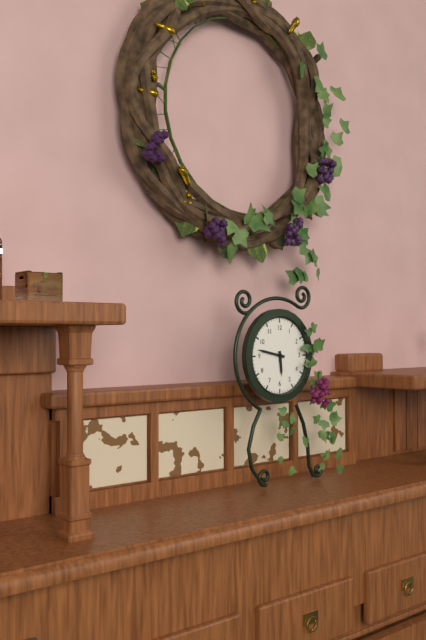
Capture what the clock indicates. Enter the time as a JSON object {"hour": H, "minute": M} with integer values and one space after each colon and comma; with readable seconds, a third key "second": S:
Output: {"hour": 5, "minute": 47}
